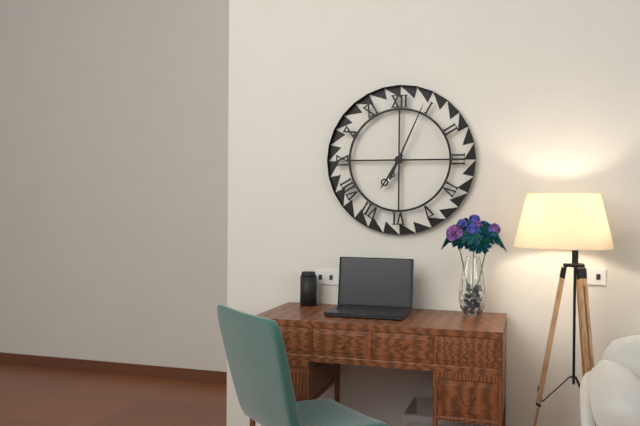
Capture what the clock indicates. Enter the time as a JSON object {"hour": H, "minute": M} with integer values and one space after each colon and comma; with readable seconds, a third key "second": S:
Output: {"hour": 7, "minute": 4}
